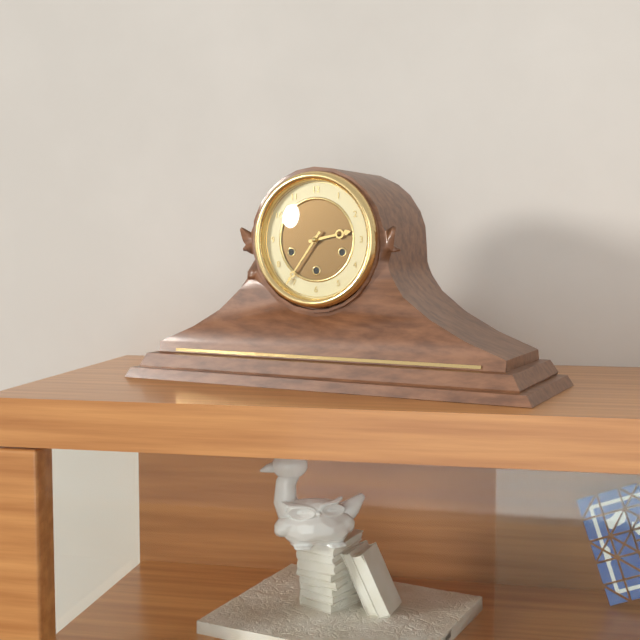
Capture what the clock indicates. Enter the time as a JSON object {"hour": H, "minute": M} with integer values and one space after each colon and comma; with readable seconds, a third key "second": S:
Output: {"hour": 2, "minute": 36}
